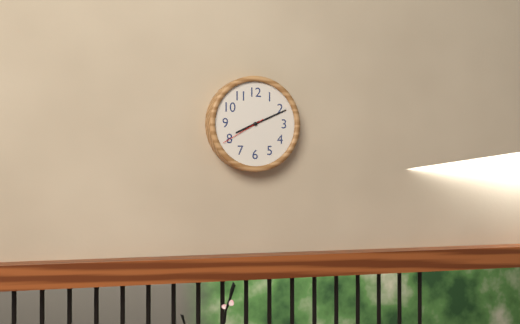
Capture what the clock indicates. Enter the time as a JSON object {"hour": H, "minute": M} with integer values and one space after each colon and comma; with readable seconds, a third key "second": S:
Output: {"hour": 8, "minute": 11}
